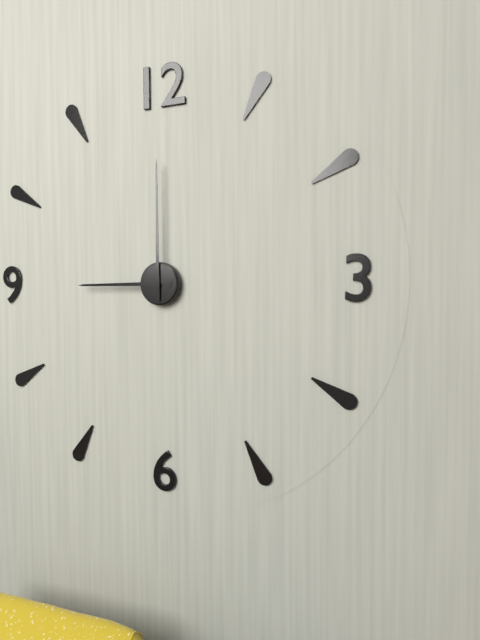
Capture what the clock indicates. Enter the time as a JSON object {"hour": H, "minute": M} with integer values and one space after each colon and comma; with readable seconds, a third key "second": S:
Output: {"hour": 9, "minute": 0}
